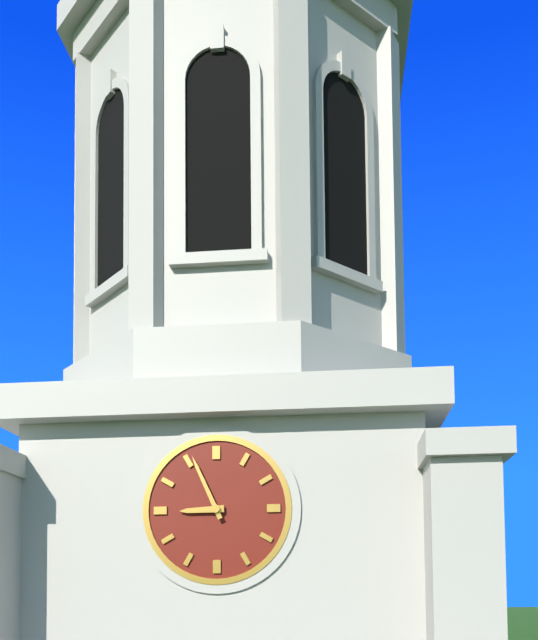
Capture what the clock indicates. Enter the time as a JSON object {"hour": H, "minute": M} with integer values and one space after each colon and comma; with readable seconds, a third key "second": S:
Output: {"hour": 8, "minute": 56}
